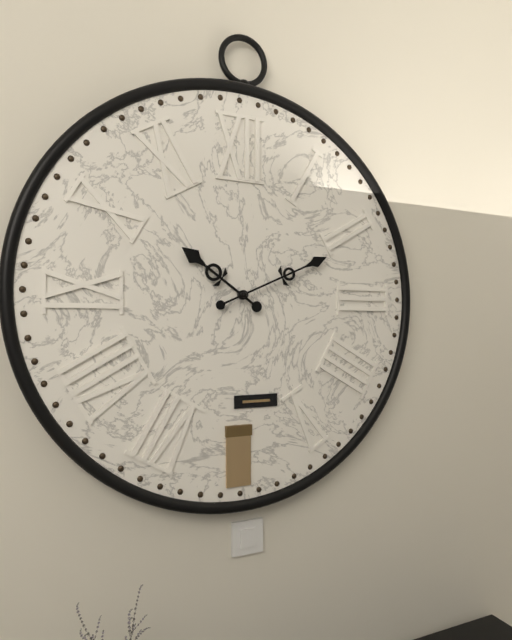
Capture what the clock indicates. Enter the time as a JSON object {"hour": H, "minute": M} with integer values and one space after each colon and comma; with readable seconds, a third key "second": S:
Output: {"hour": 10, "minute": 11}
